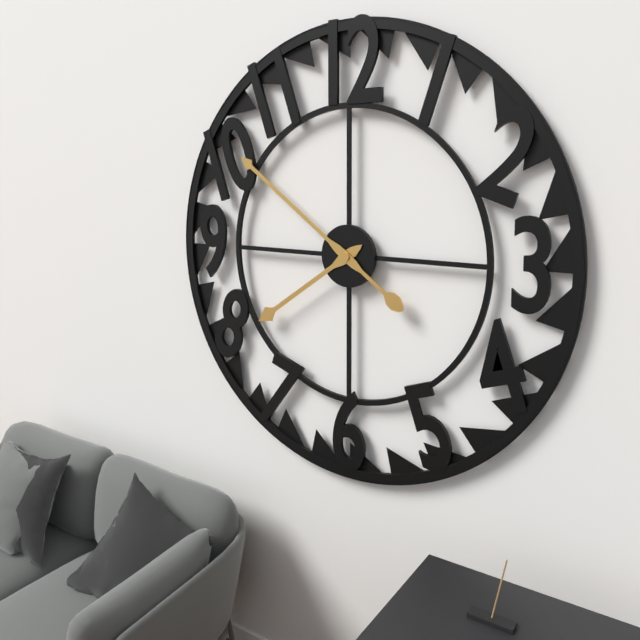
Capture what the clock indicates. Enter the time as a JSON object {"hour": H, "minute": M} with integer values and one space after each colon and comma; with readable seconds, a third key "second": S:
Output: {"hour": 7, "minute": 51}
